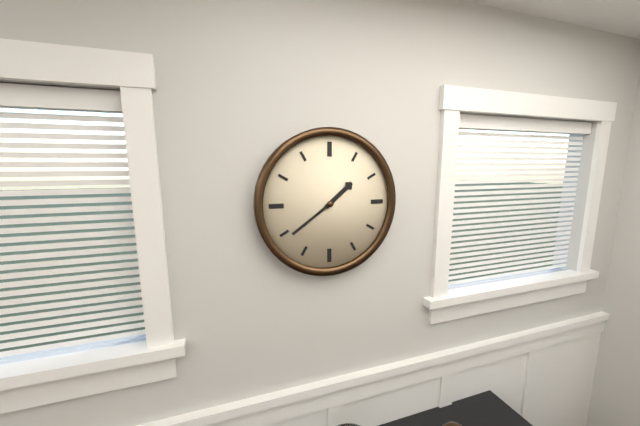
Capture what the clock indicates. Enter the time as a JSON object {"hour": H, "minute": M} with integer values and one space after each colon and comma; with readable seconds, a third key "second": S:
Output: {"hour": 1, "minute": 39}
